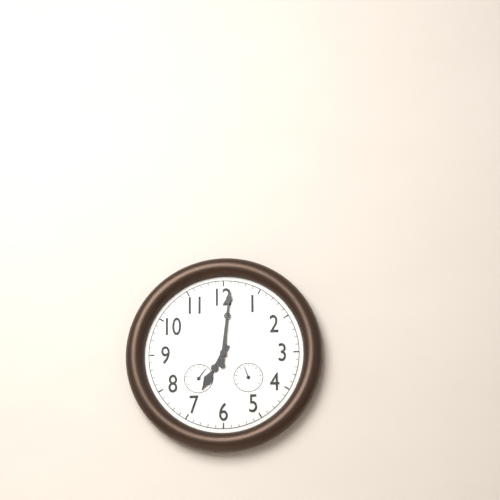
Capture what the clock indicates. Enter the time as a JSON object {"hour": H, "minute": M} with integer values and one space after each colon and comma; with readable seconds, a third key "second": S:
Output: {"hour": 7, "minute": 1}
